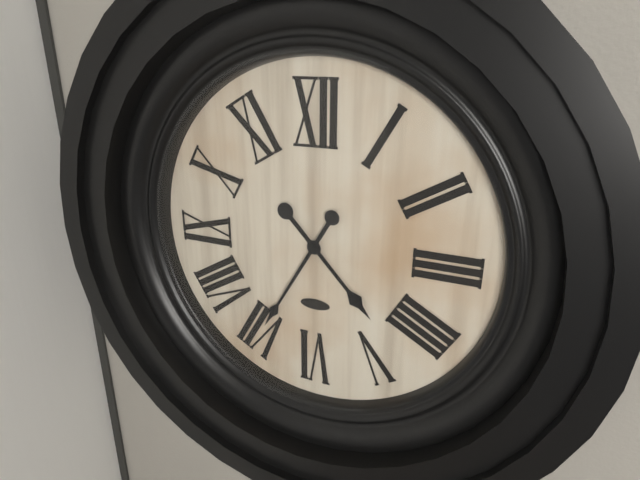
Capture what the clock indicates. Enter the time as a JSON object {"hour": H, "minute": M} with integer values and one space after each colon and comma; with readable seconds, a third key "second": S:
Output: {"hour": 4, "minute": 35}
